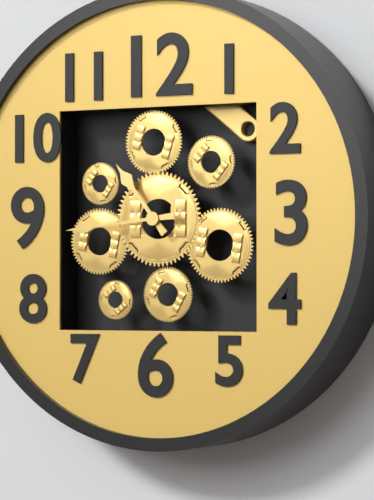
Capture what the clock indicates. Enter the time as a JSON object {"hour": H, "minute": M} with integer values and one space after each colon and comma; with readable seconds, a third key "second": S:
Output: {"hour": 10, "minute": 44}
